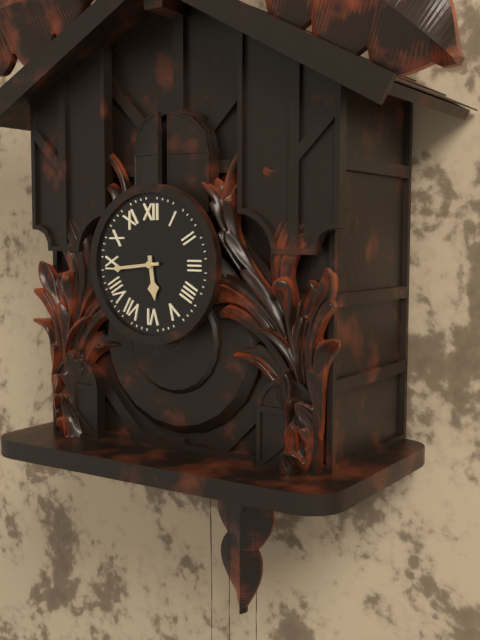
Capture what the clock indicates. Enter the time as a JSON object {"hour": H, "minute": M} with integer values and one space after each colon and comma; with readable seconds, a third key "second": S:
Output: {"hour": 5, "minute": 44}
